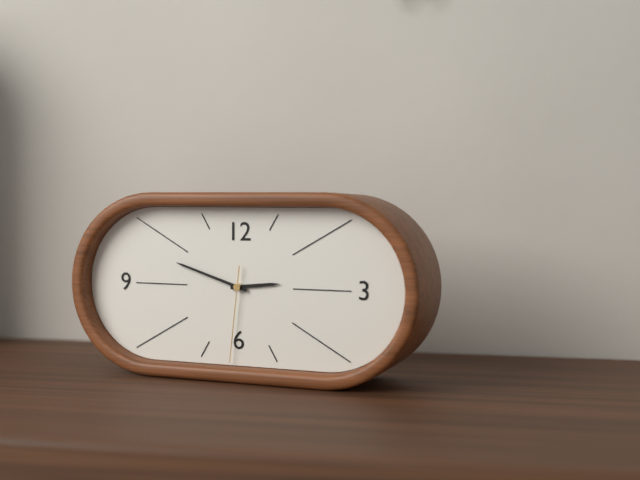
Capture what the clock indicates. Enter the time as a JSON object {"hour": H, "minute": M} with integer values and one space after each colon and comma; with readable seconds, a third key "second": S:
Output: {"hour": 2, "minute": 48, "second": 31}
